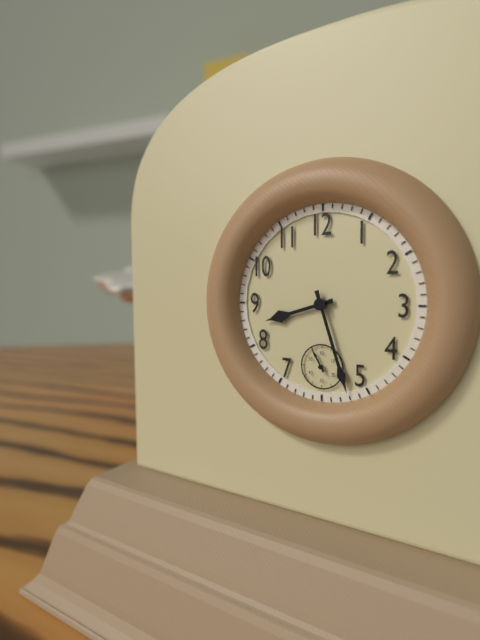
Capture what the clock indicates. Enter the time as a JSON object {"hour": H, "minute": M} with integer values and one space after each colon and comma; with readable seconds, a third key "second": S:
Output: {"hour": 8, "minute": 27}
